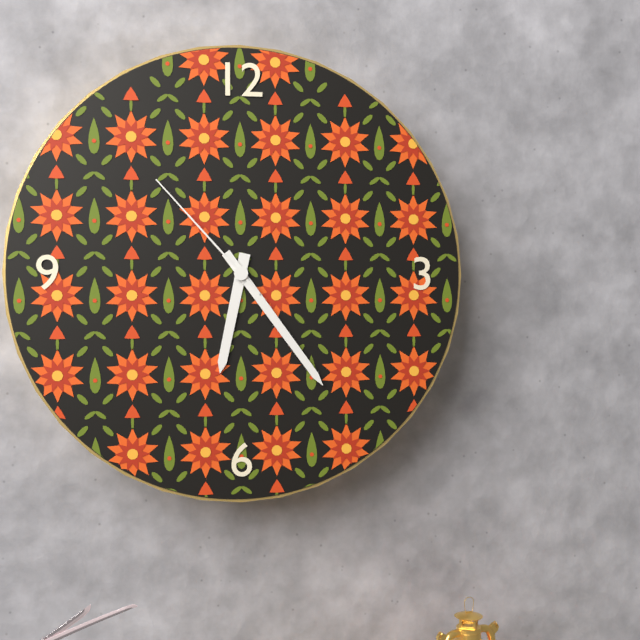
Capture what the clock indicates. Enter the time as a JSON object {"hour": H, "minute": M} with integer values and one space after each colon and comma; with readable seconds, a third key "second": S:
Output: {"hour": 6, "minute": 24, "second": 53}
